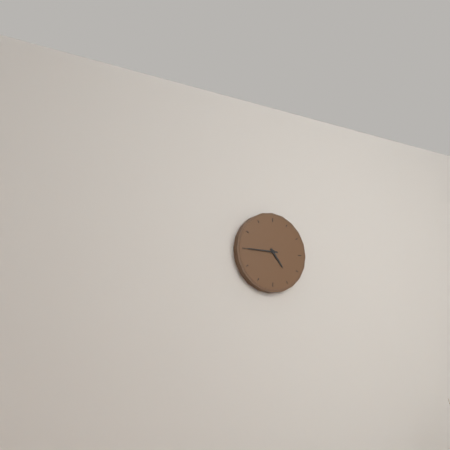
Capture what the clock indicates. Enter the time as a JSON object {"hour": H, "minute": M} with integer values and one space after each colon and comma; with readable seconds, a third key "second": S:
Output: {"hour": 4, "minute": 45}
